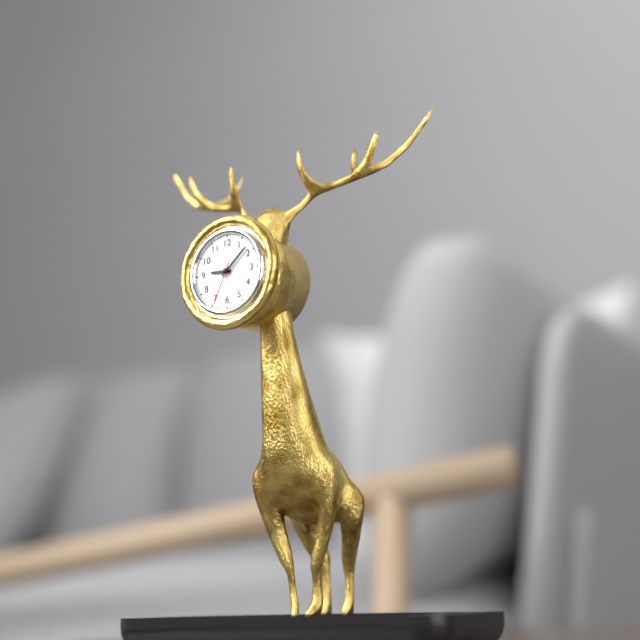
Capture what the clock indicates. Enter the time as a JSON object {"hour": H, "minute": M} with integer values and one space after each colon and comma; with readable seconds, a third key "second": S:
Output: {"hour": 9, "minute": 8}
